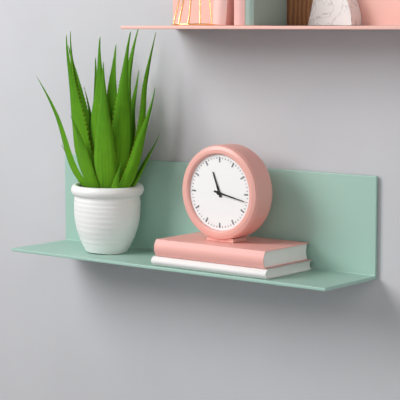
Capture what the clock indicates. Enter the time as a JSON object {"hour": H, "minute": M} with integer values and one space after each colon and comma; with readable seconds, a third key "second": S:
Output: {"hour": 11, "minute": 17}
